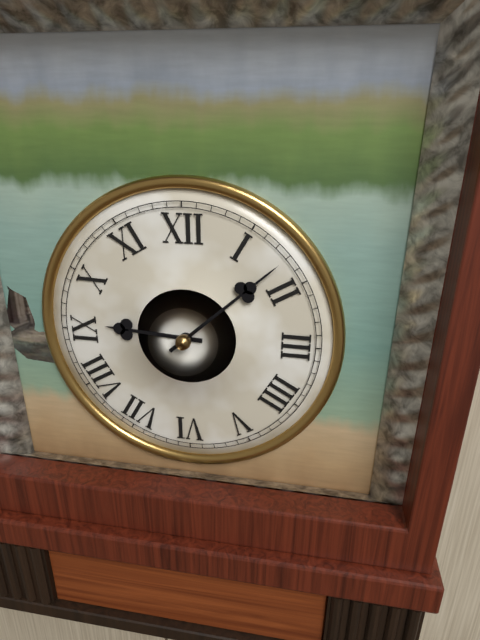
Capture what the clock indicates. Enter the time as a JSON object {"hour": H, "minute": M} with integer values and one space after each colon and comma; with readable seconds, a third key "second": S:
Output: {"hour": 9, "minute": 8}
